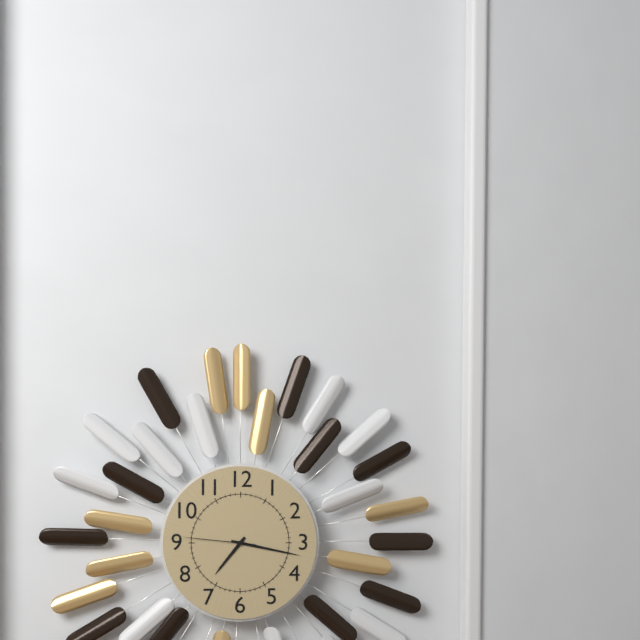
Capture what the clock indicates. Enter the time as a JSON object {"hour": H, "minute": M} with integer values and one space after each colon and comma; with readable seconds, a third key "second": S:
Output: {"hour": 7, "minute": 17, "second": 46}
